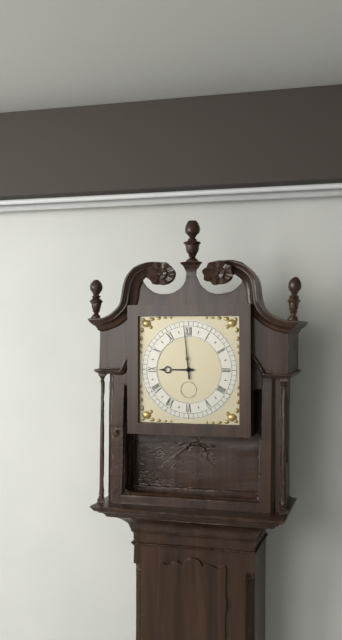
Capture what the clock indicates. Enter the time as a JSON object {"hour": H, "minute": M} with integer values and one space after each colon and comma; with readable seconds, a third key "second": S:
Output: {"hour": 8, "minute": 59}
